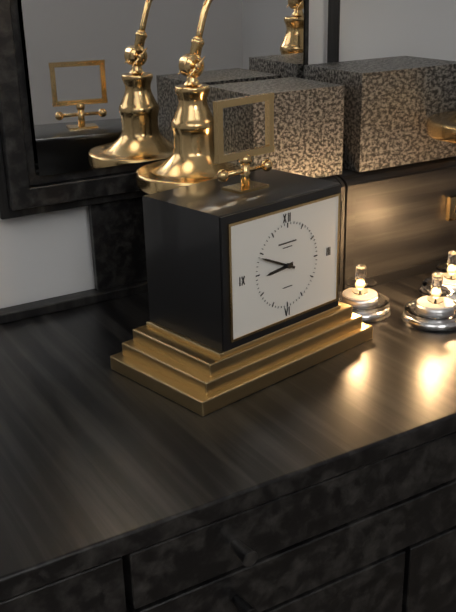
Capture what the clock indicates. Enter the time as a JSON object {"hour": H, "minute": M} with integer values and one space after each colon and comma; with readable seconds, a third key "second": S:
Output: {"hour": 8, "minute": 49}
